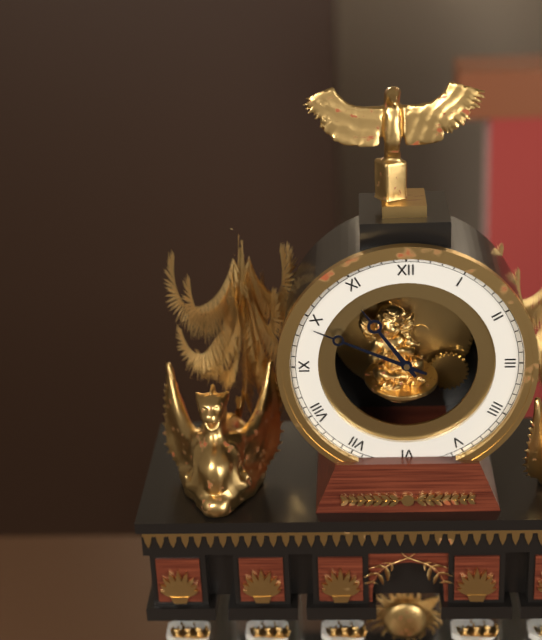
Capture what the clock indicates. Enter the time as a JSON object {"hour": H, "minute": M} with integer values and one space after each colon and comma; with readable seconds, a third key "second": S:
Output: {"hour": 10, "minute": 49}
